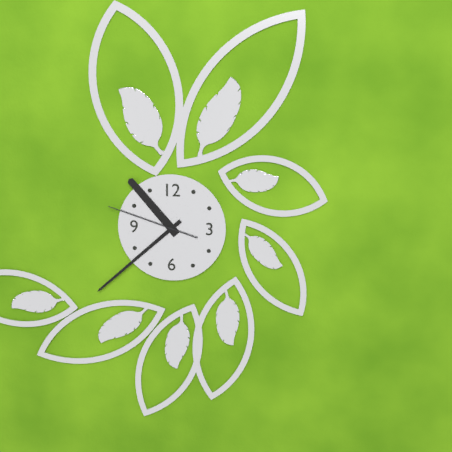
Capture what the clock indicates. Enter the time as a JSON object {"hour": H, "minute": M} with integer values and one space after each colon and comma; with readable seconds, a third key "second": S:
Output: {"hour": 10, "minute": 38, "second": 48}
